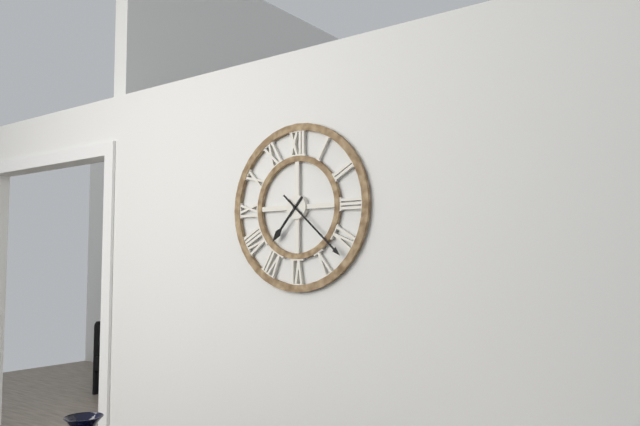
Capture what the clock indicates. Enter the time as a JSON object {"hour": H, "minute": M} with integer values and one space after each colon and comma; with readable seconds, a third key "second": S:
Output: {"hour": 7, "minute": 22}
